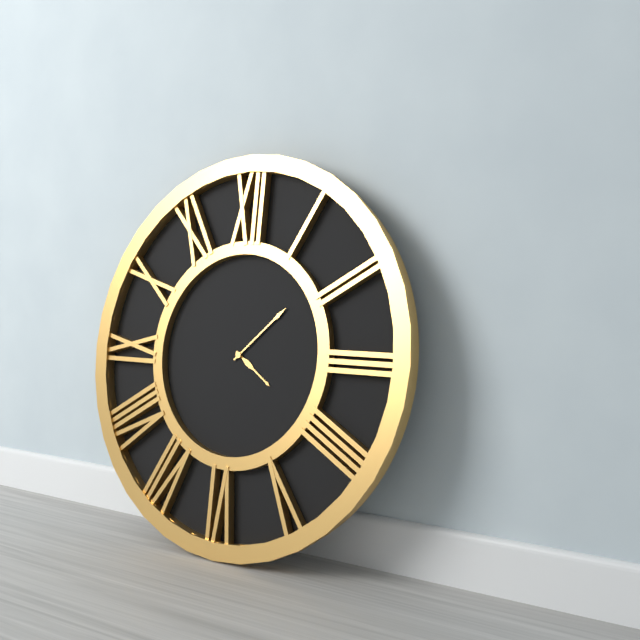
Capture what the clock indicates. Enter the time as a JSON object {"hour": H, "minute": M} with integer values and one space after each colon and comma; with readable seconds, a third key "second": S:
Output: {"hour": 4, "minute": 8}
